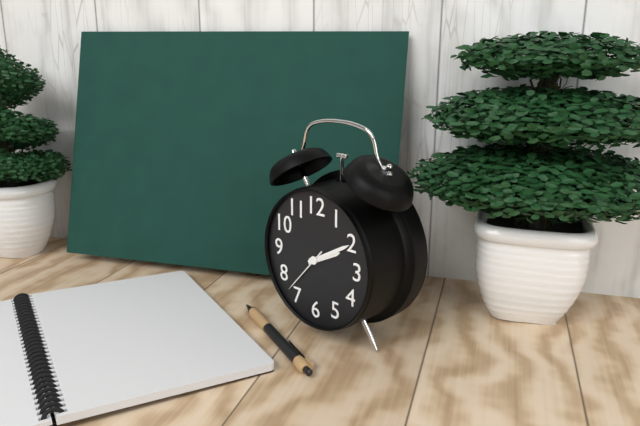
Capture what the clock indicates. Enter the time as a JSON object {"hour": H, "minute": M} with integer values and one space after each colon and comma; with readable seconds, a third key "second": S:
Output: {"hour": 2, "minute": 10}
